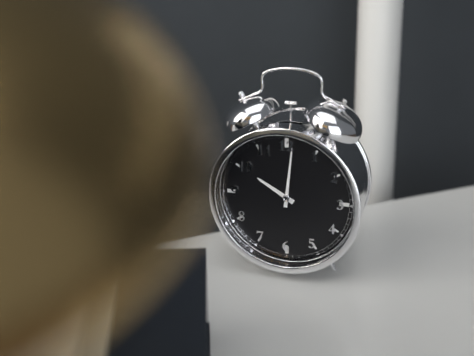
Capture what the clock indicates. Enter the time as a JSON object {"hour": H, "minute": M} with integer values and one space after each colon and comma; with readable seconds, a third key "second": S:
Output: {"hour": 10, "minute": 1}
